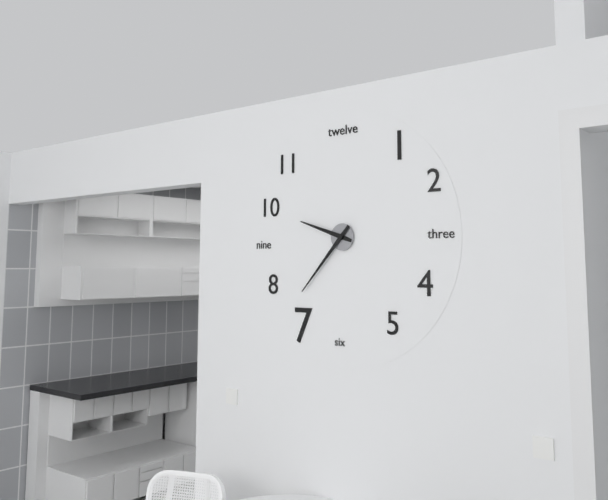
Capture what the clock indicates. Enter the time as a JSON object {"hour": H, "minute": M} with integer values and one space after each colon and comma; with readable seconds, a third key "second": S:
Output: {"hour": 9, "minute": 37}
